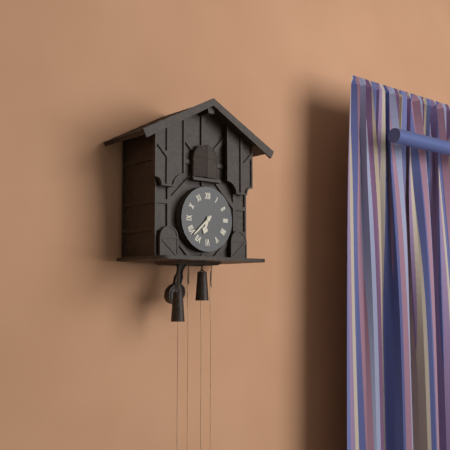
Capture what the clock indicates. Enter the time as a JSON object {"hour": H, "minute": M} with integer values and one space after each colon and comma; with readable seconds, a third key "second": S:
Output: {"hour": 6, "minute": 38}
